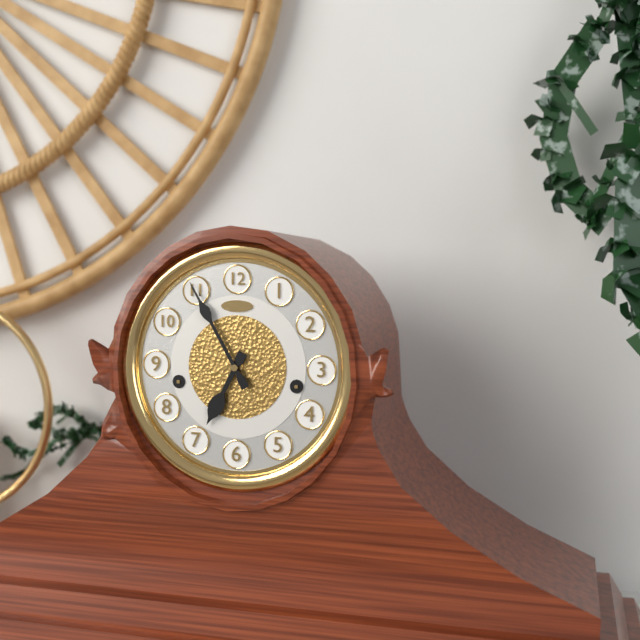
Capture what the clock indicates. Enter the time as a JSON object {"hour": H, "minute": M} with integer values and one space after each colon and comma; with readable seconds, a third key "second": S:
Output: {"hour": 6, "minute": 55}
